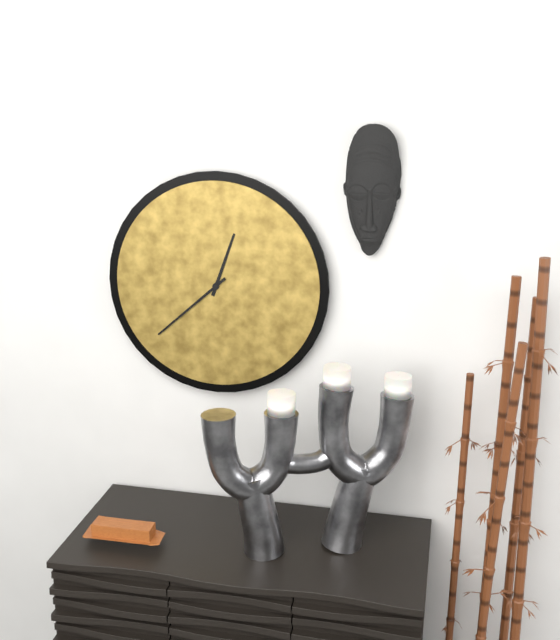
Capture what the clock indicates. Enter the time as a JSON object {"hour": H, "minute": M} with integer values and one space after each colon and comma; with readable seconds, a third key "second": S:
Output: {"hour": 12, "minute": 38}
